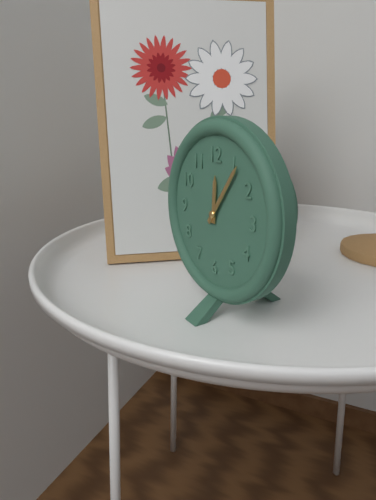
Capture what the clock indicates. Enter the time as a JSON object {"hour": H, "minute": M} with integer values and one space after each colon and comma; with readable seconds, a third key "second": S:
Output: {"hour": 12, "minute": 6}
